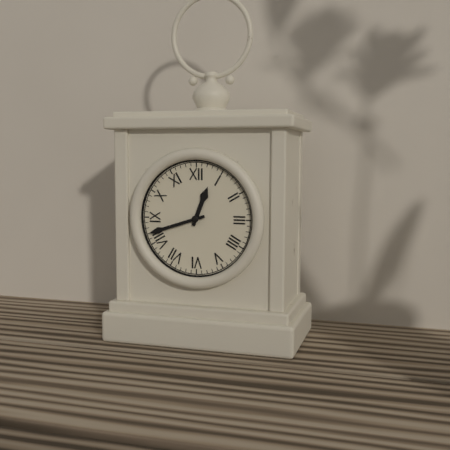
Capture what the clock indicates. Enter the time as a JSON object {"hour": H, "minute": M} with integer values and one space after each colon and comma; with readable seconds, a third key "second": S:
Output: {"hour": 12, "minute": 42}
